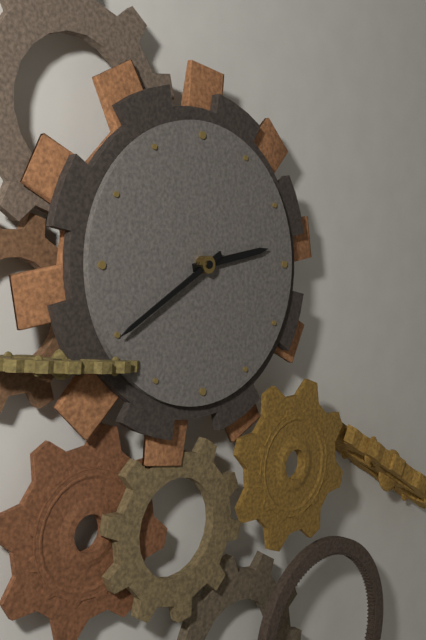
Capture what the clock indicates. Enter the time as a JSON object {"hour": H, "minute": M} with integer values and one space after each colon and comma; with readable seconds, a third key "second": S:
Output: {"hour": 2, "minute": 40}
